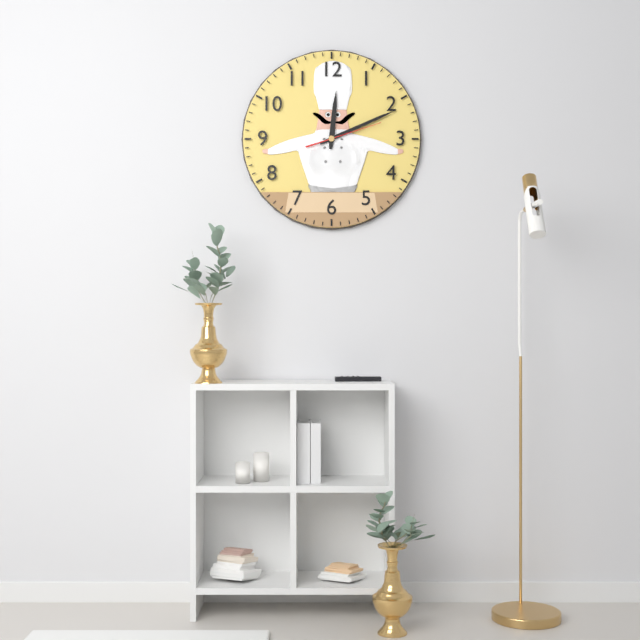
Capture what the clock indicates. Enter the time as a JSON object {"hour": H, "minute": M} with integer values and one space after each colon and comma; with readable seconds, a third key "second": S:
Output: {"hour": 12, "minute": 11, "second": 12}
